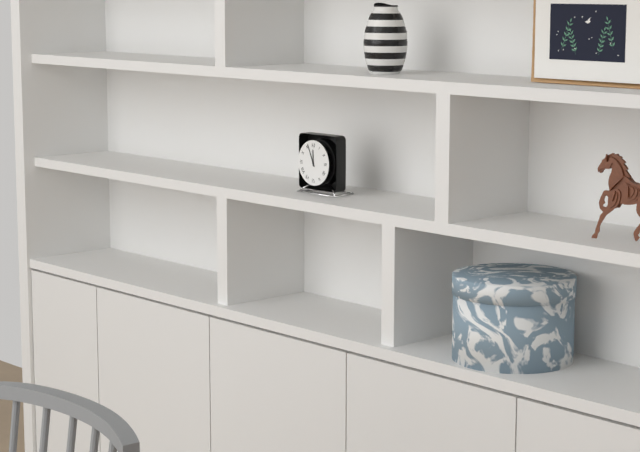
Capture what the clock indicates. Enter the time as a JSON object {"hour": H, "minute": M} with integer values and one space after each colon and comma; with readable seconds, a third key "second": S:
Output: {"hour": 11, "minute": 56}
